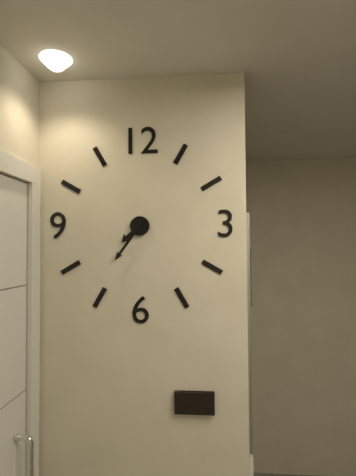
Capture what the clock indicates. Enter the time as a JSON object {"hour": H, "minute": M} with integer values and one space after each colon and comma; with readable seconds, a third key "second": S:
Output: {"hour": 7, "minute": 36}
